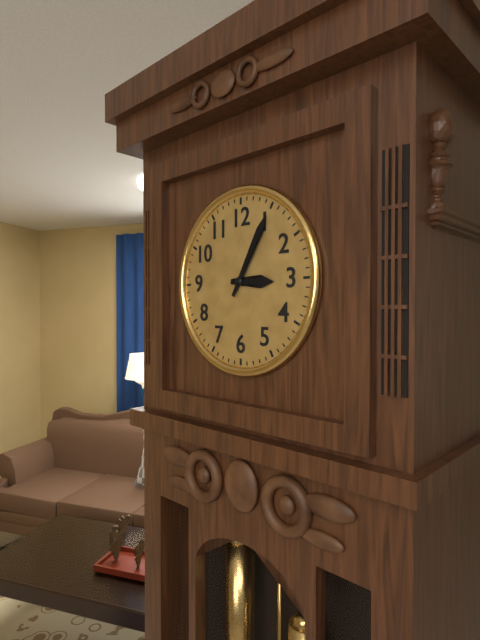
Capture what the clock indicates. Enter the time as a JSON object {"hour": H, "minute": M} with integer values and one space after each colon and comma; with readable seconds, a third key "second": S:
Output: {"hour": 3, "minute": 5}
